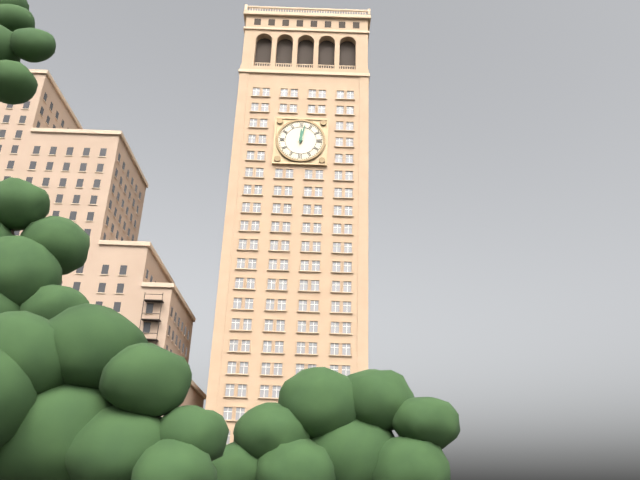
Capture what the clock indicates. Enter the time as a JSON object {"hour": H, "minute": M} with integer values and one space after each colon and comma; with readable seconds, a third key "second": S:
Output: {"hour": 12, "minute": 2}
